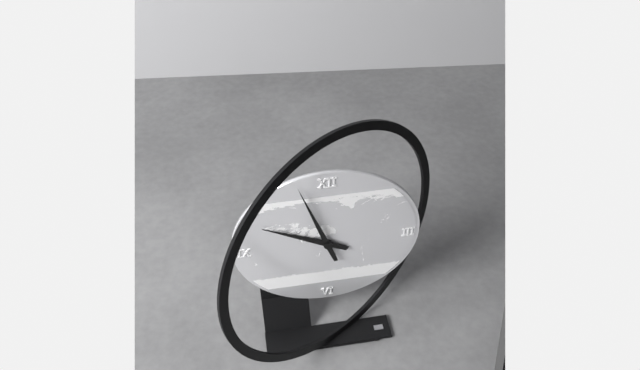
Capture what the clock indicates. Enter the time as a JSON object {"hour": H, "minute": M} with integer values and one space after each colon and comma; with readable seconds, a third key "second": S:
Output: {"hour": 9, "minute": 57}
